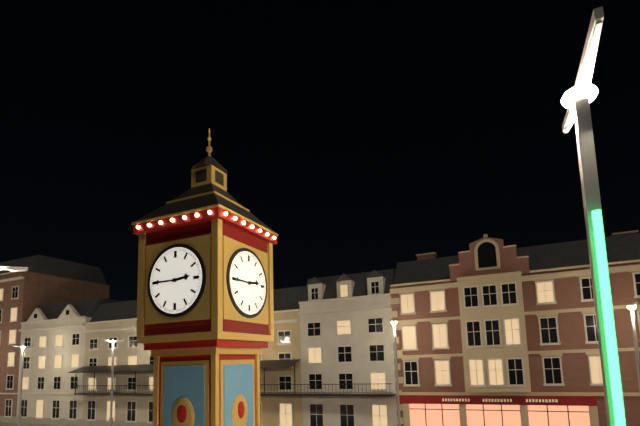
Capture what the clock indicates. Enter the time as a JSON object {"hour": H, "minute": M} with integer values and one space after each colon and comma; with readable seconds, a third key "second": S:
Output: {"hour": 2, "minute": 45}
